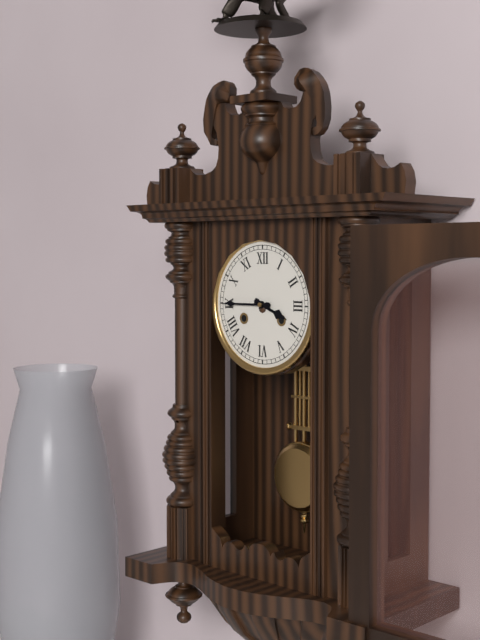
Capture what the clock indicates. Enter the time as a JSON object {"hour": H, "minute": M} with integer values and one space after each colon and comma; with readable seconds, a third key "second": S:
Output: {"hour": 3, "minute": 45}
